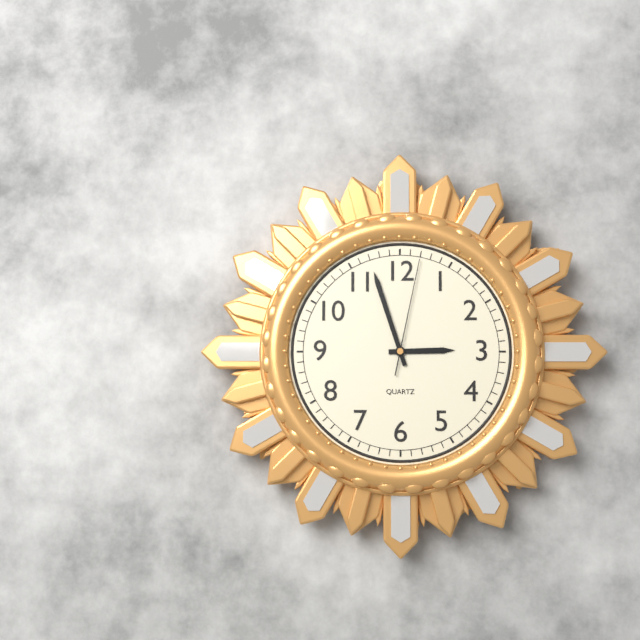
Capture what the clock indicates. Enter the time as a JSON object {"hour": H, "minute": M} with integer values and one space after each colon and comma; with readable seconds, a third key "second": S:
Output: {"hour": 2, "minute": 57, "second": 2}
